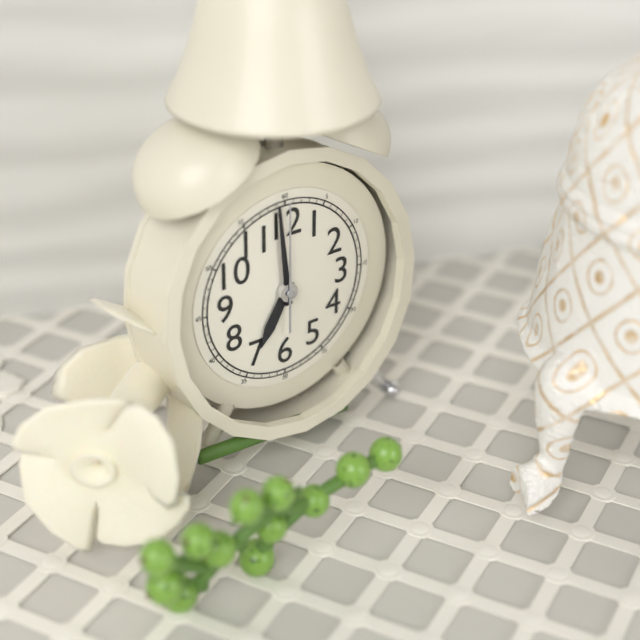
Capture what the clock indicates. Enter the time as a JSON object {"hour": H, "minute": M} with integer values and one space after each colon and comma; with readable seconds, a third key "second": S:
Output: {"hour": 6, "minute": 59, "second": 0}
